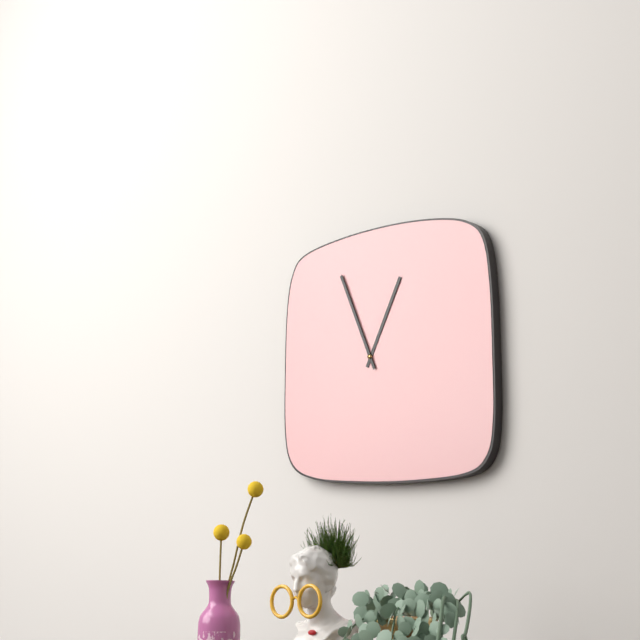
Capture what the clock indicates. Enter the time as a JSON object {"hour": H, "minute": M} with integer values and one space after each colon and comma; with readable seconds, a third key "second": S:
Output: {"hour": 12, "minute": 56}
